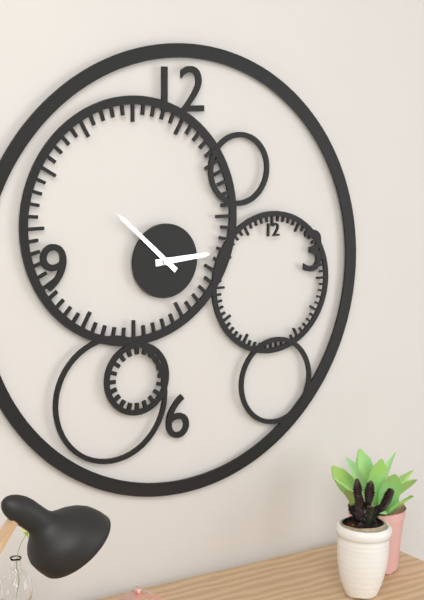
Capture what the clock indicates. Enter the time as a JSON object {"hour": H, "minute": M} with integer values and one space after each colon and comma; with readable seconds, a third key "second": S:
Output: {"hour": 2, "minute": 52}
